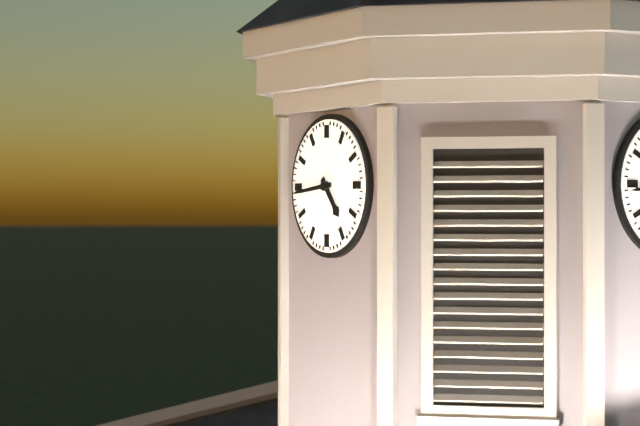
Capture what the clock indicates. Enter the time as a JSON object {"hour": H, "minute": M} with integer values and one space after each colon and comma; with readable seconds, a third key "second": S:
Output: {"hour": 4, "minute": 44}
